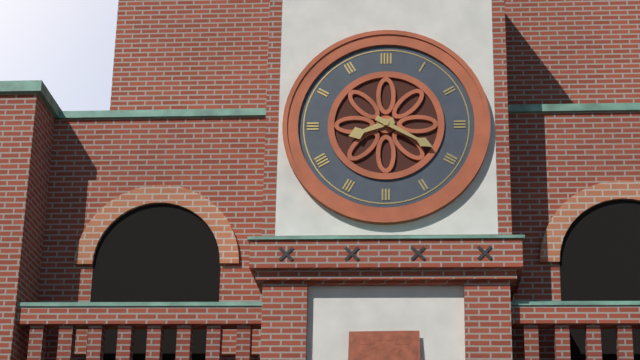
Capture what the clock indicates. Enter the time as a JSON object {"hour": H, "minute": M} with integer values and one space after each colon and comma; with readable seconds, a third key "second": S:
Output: {"hour": 8, "minute": 20}
